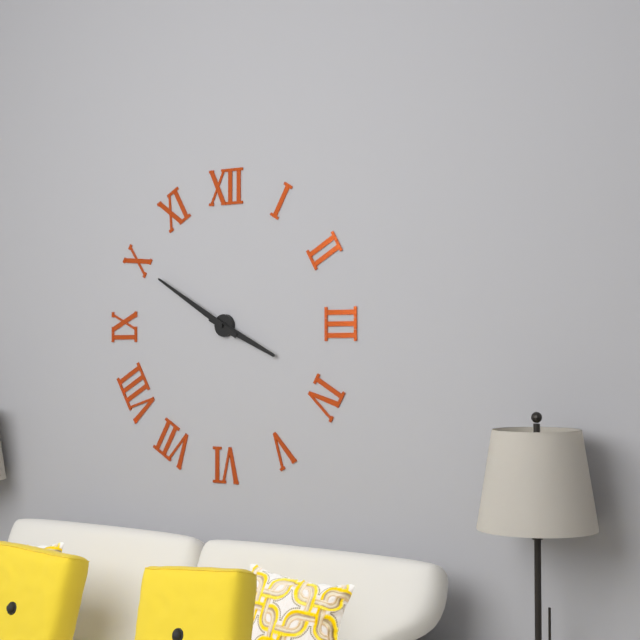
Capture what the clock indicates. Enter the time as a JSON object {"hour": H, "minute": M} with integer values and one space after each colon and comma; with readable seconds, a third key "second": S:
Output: {"hour": 3, "minute": 50}
